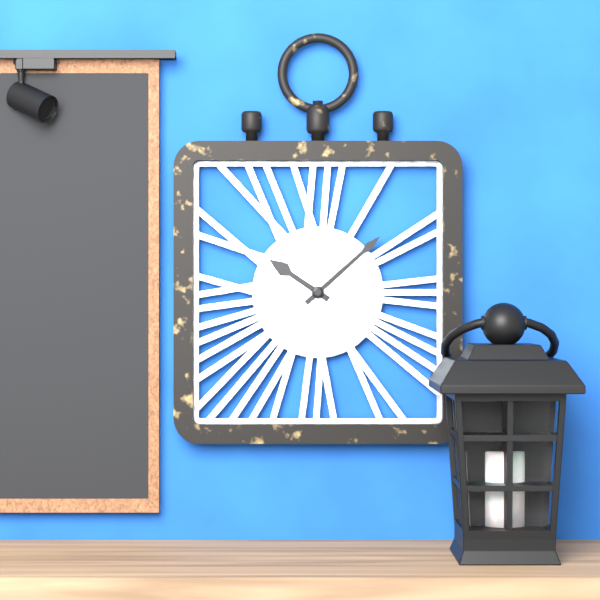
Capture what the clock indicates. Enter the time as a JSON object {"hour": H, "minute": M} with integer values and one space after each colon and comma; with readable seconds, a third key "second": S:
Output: {"hour": 10, "minute": 8}
